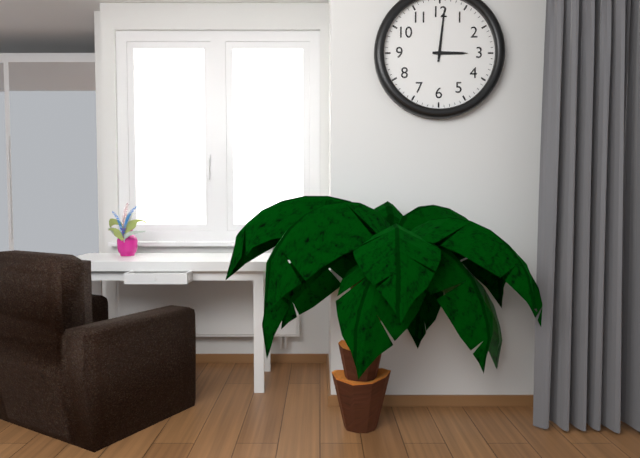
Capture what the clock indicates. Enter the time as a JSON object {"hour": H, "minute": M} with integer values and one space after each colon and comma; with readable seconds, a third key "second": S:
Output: {"hour": 3, "minute": 1}
